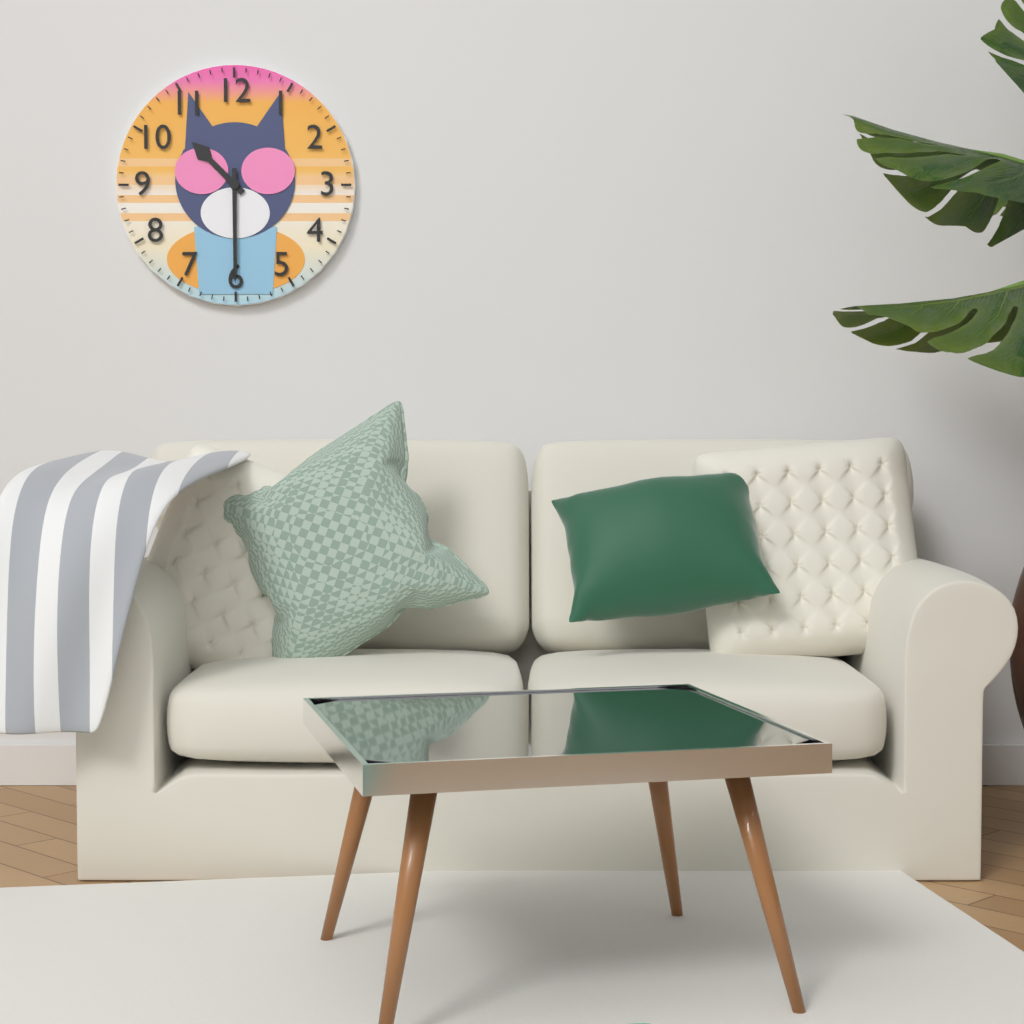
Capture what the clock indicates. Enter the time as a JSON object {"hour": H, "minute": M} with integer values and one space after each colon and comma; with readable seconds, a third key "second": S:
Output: {"hour": 10, "minute": 30}
